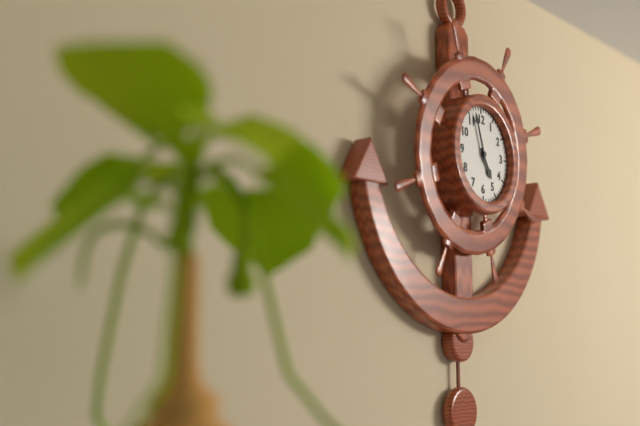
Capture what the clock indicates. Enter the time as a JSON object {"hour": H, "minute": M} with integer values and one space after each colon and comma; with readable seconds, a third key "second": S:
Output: {"hour": 4, "minute": 57}
